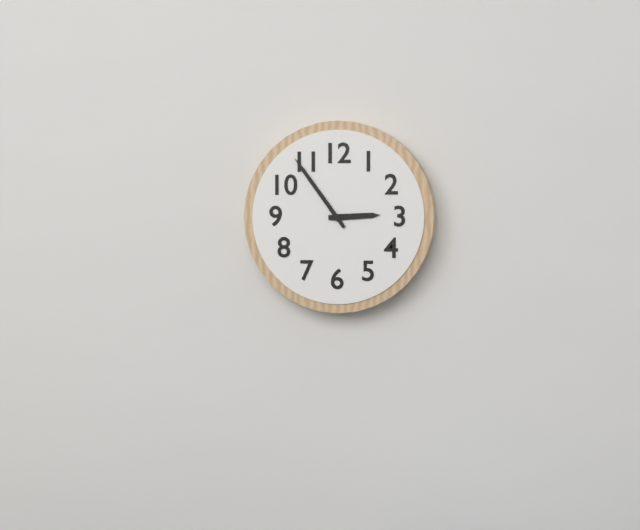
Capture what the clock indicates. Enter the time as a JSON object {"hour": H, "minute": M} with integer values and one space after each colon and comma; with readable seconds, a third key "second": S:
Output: {"hour": 2, "minute": 54}
